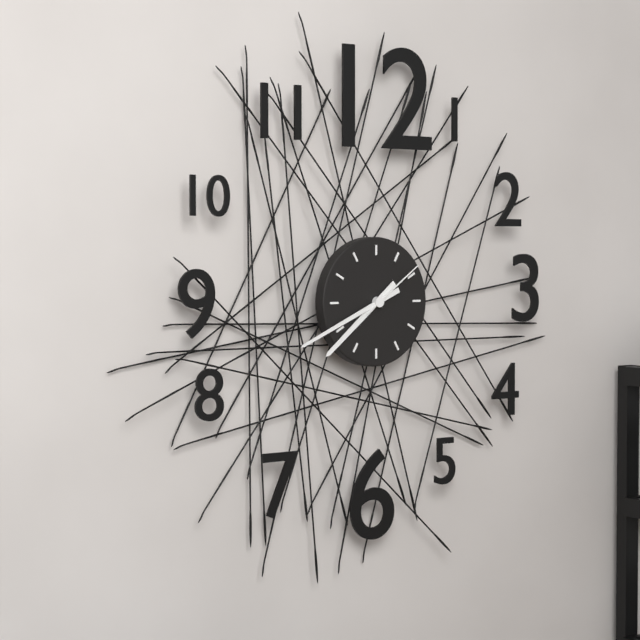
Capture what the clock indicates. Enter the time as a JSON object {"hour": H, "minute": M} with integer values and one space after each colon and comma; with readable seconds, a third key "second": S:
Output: {"hour": 7, "minute": 41, "second": 9}
